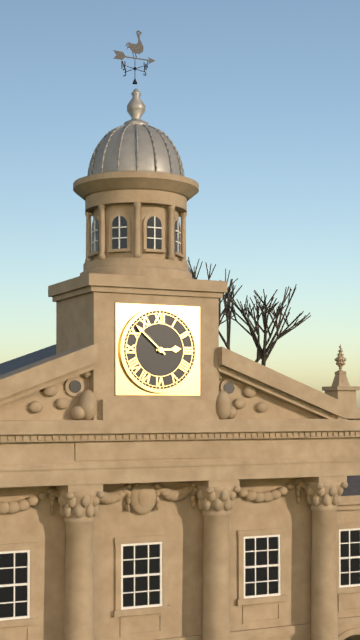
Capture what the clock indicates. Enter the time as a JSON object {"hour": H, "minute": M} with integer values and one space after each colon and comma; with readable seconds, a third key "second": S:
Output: {"hour": 2, "minute": 52}
